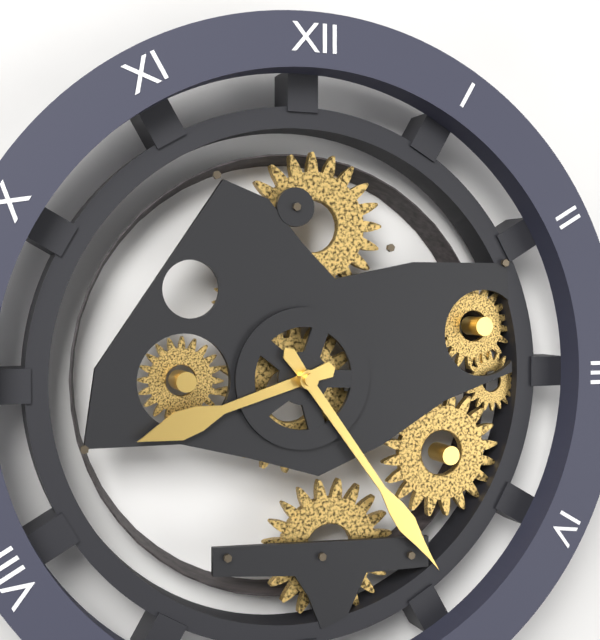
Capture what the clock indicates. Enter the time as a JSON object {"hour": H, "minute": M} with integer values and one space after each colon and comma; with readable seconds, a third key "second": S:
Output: {"hour": 8, "minute": 24}
